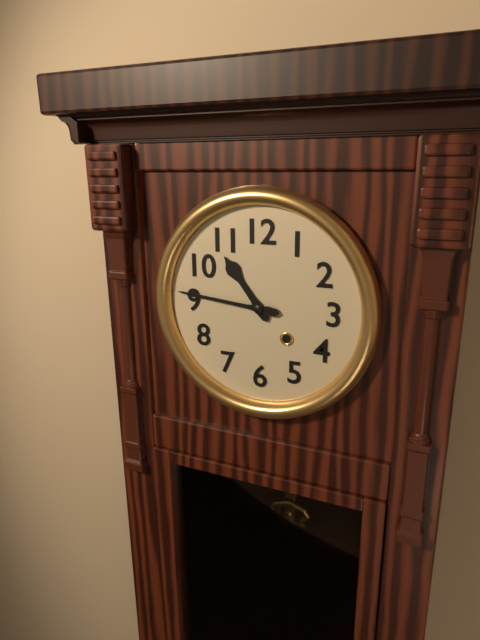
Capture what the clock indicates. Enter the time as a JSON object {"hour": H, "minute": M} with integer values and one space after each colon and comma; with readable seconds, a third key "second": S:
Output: {"hour": 10, "minute": 46}
